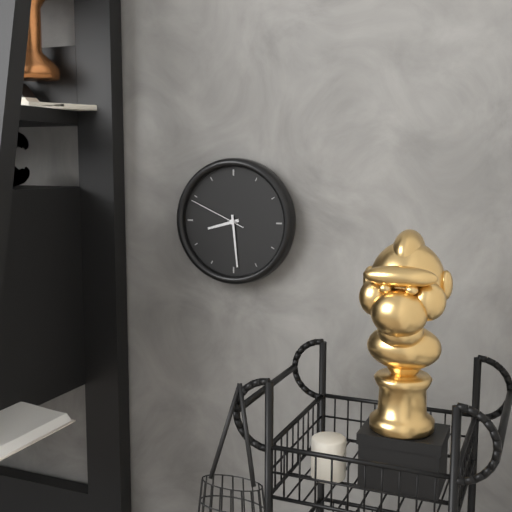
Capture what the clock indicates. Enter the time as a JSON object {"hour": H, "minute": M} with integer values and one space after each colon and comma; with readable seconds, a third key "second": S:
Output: {"hour": 8, "minute": 29, "second": 49}
